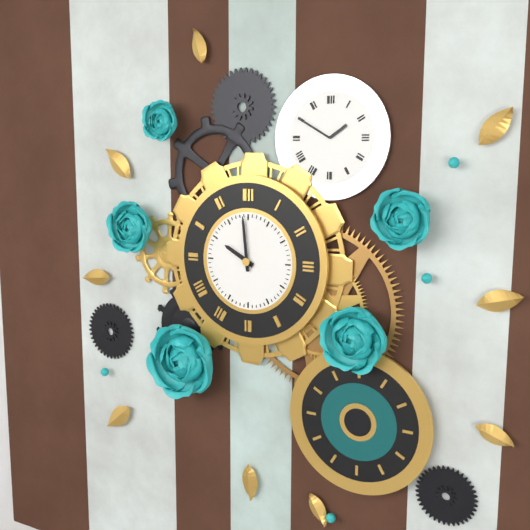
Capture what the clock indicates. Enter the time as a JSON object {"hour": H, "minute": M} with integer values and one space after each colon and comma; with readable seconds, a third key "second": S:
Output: {"hour": 9, "minute": 59}
